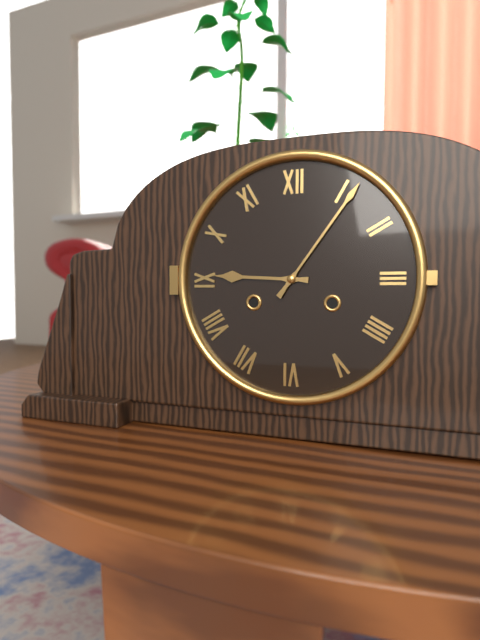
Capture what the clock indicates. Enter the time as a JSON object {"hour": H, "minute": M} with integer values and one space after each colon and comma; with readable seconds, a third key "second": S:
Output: {"hour": 9, "minute": 6}
